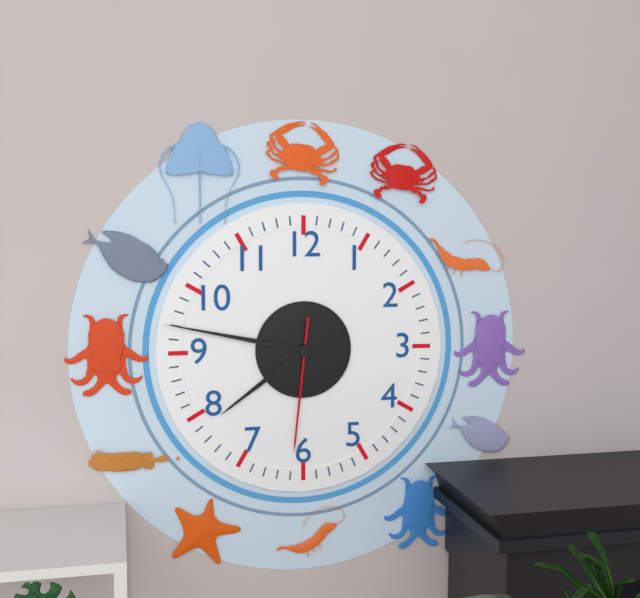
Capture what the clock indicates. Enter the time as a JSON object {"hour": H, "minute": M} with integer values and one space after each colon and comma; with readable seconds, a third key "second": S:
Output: {"hour": 7, "minute": 47, "second": 31}
